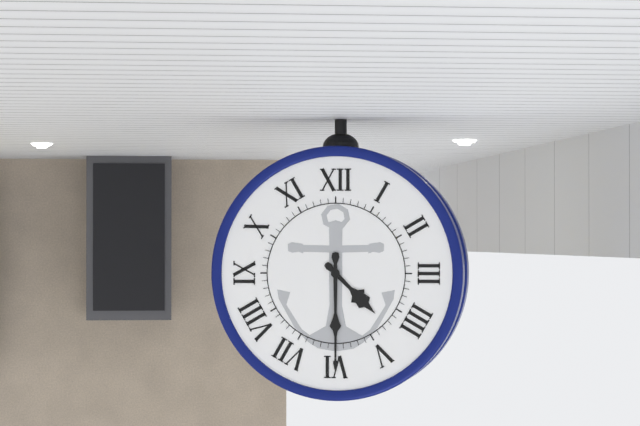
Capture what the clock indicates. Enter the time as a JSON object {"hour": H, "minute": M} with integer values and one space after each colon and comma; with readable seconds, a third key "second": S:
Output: {"hour": 4, "minute": 30}
